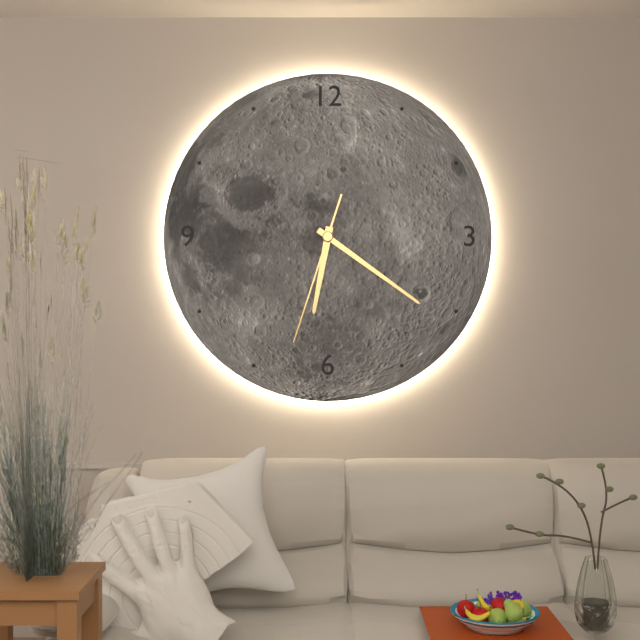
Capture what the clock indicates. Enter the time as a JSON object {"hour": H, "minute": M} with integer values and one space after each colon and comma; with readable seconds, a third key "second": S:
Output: {"hour": 6, "minute": 21, "second": 33}
